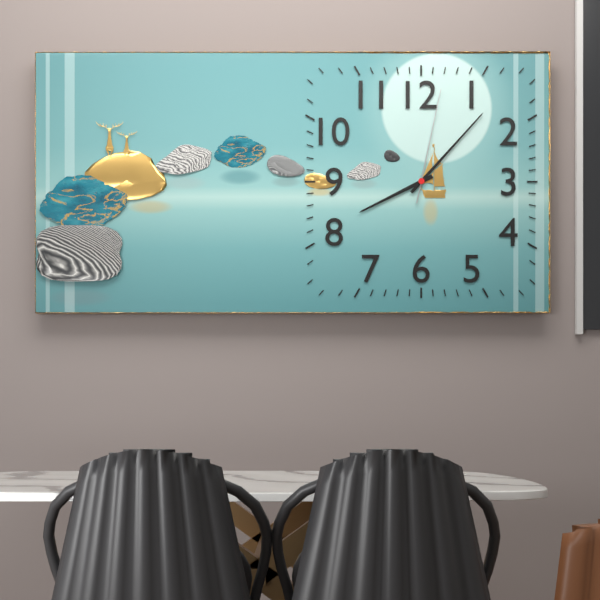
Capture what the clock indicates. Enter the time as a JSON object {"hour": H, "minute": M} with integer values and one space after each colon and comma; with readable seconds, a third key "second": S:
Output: {"hour": 8, "minute": 7, "second": 2}
